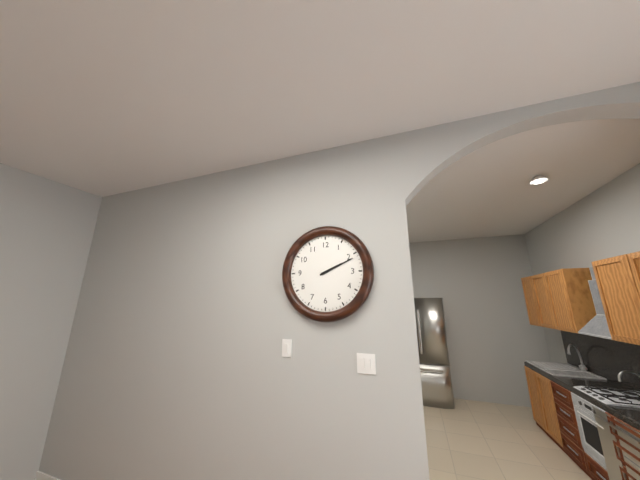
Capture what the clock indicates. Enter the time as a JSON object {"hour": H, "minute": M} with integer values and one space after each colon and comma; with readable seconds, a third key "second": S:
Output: {"hour": 2, "minute": 11}
